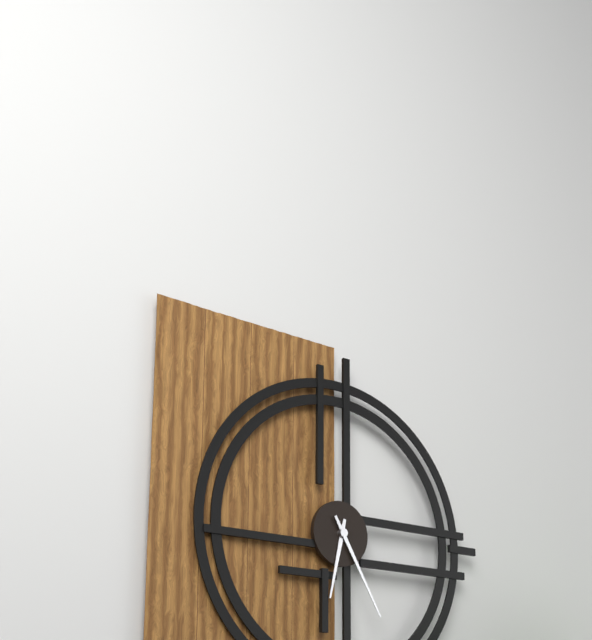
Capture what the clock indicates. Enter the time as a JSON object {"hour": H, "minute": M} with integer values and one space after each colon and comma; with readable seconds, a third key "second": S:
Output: {"hour": 6, "minute": 25}
